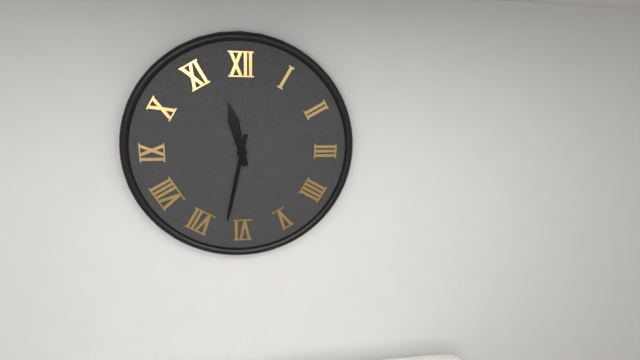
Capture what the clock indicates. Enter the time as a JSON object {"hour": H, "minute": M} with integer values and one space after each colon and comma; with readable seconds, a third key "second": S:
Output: {"hour": 11, "minute": 32}
